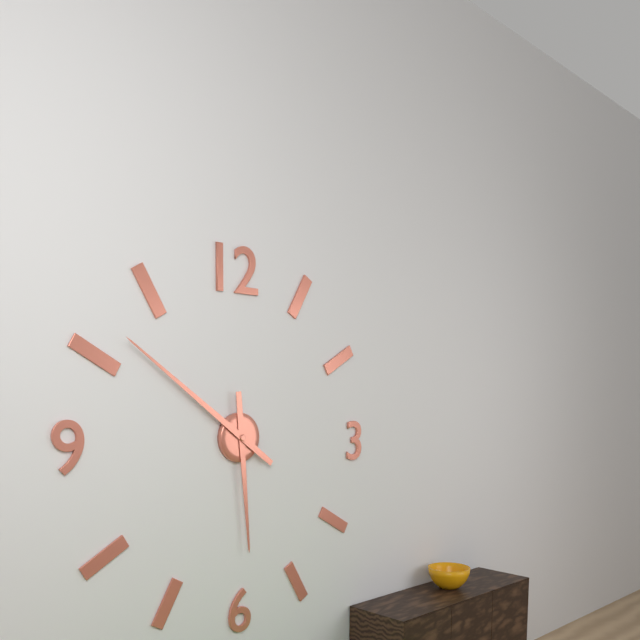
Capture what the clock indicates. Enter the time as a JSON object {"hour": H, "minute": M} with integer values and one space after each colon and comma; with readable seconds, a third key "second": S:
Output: {"hour": 5, "minute": 51}
